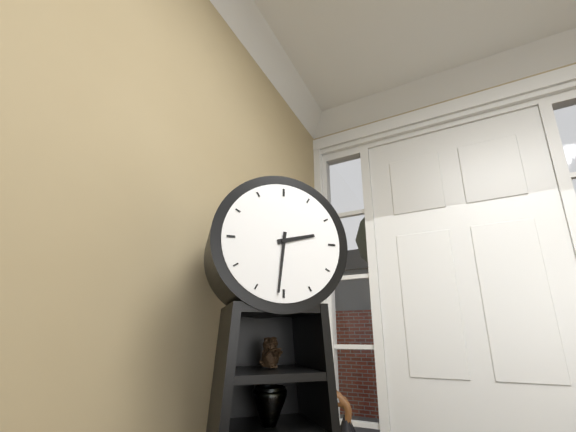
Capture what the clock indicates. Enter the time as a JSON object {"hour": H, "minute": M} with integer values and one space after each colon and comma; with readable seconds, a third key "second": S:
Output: {"hour": 2, "minute": 31}
